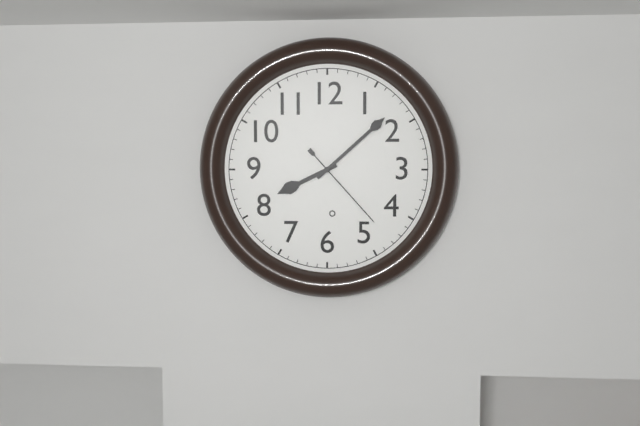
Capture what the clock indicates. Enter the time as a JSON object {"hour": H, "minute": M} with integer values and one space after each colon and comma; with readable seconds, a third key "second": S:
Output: {"hour": 8, "minute": 8, "second": 23}
